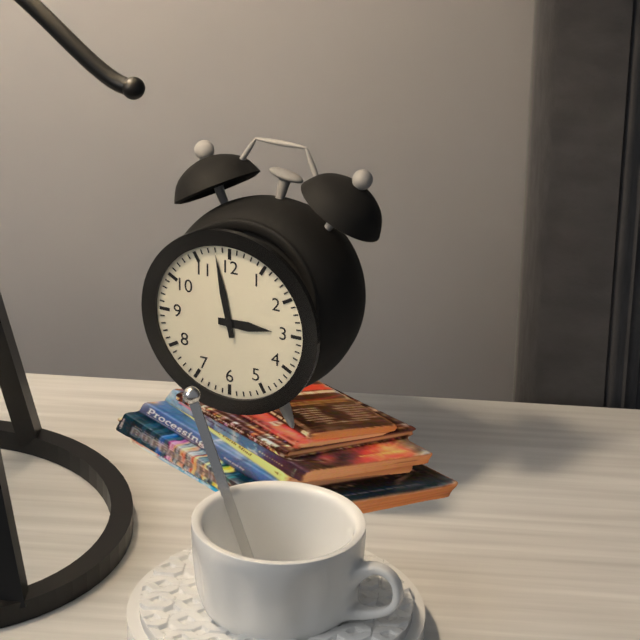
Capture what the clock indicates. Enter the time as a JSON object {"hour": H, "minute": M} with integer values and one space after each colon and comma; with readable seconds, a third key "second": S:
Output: {"hour": 2, "minute": 58}
